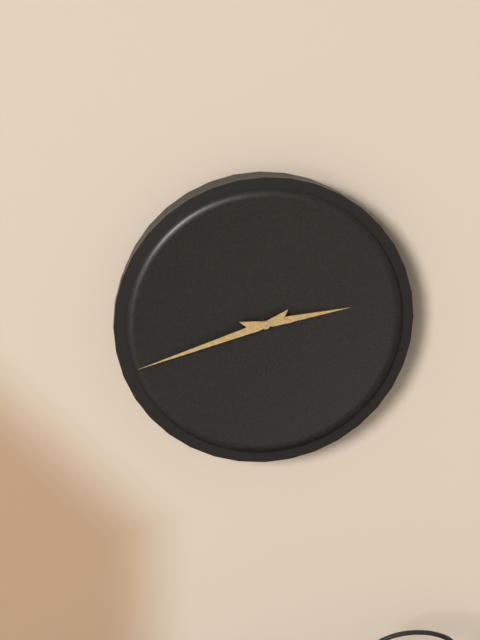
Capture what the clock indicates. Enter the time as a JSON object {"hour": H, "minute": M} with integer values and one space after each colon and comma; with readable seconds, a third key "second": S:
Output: {"hour": 2, "minute": 42}
